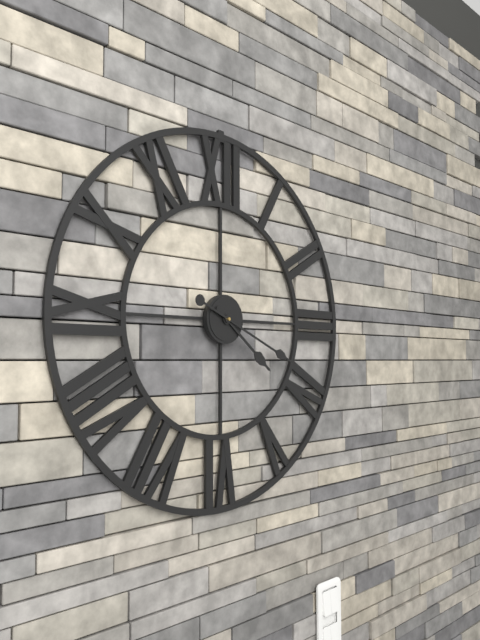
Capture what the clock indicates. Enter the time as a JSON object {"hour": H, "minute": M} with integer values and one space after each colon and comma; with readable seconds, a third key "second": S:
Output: {"hour": 4, "minute": 19}
